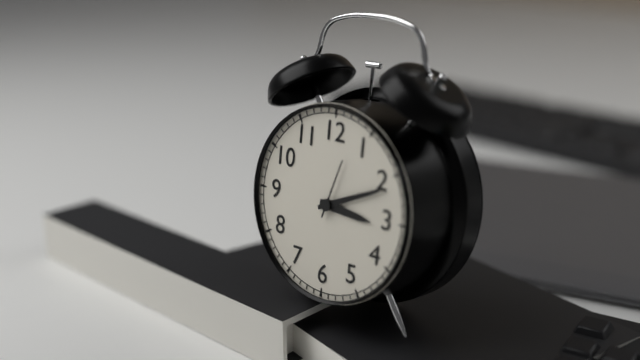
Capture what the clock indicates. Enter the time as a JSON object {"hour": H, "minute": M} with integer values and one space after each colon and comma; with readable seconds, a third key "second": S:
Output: {"hour": 3, "minute": 11, "second": 3}
